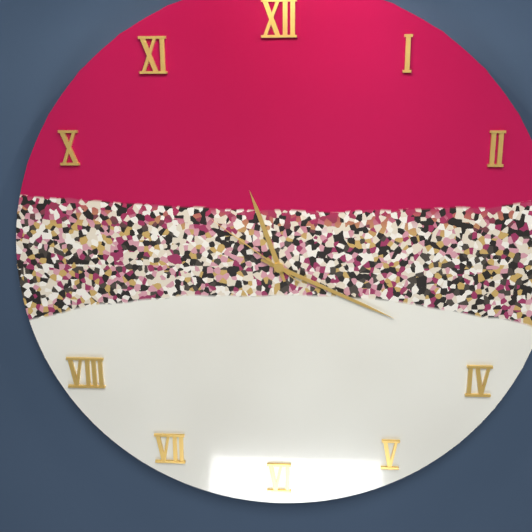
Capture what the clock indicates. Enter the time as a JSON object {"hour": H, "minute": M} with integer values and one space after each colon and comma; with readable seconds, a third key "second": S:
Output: {"hour": 11, "minute": 19, "second": 51}
